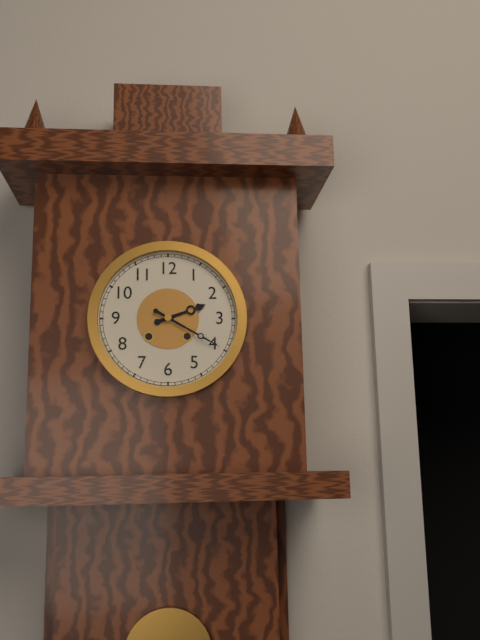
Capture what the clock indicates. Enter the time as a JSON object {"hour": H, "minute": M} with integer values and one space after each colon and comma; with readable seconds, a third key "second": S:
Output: {"hour": 2, "minute": 20}
